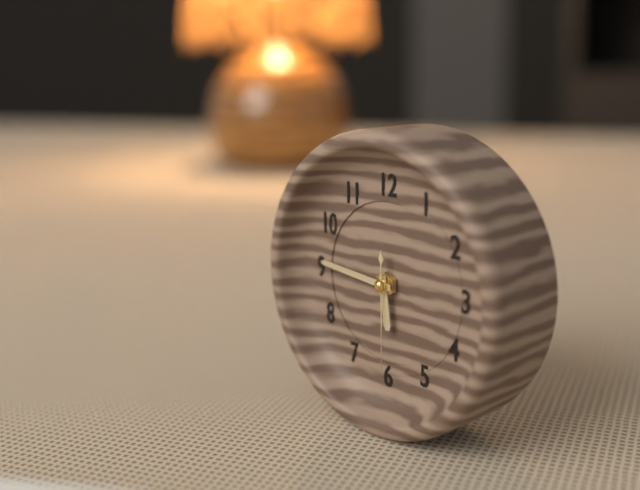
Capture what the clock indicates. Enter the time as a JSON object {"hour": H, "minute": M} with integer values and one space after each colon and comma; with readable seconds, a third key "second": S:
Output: {"hour": 5, "minute": 46, "second": 30}
